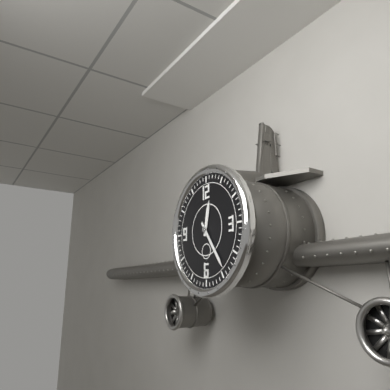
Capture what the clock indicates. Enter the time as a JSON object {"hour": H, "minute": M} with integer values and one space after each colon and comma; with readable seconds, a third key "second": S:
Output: {"hour": 12, "minute": 24}
